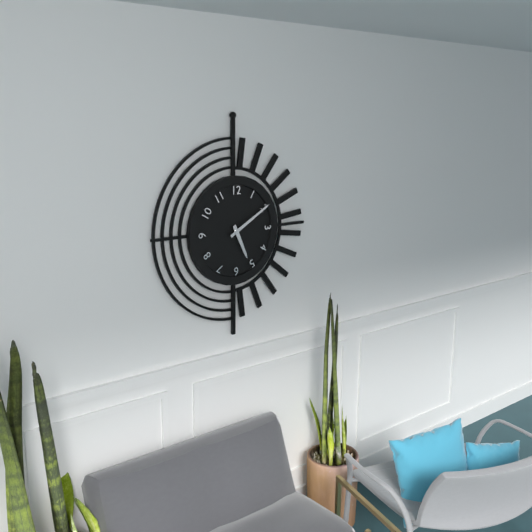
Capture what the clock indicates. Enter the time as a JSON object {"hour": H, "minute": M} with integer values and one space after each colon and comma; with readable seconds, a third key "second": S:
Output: {"hour": 5, "minute": 10}
